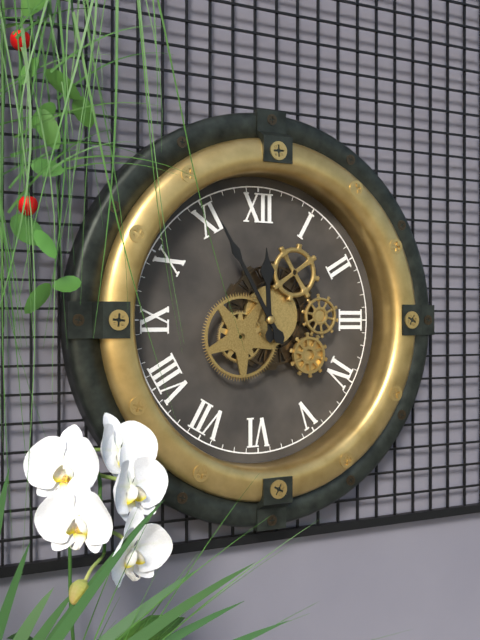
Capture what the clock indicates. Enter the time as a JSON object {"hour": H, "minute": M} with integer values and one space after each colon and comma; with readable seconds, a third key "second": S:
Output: {"hour": 11, "minute": 55}
